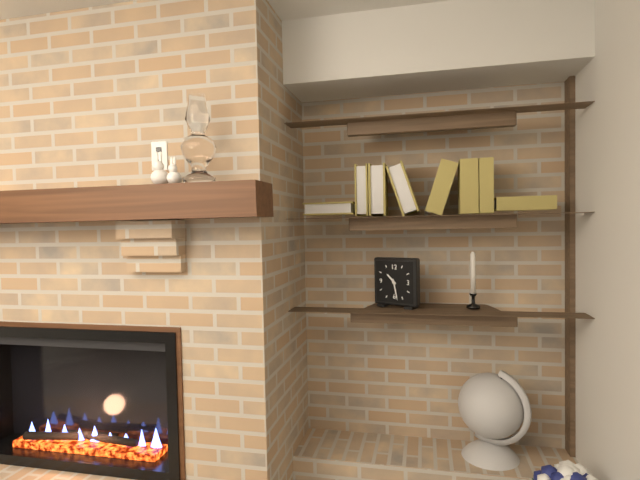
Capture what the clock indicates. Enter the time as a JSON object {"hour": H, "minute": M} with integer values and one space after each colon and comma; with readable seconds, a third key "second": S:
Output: {"hour": 10, "minute": 28}
